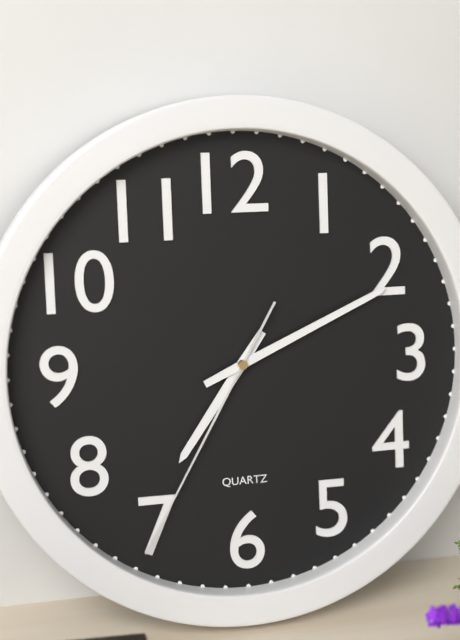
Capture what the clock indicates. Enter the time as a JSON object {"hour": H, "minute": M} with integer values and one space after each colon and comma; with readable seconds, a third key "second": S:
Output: {"hour": 7, "minute": 11, "second": 35}
